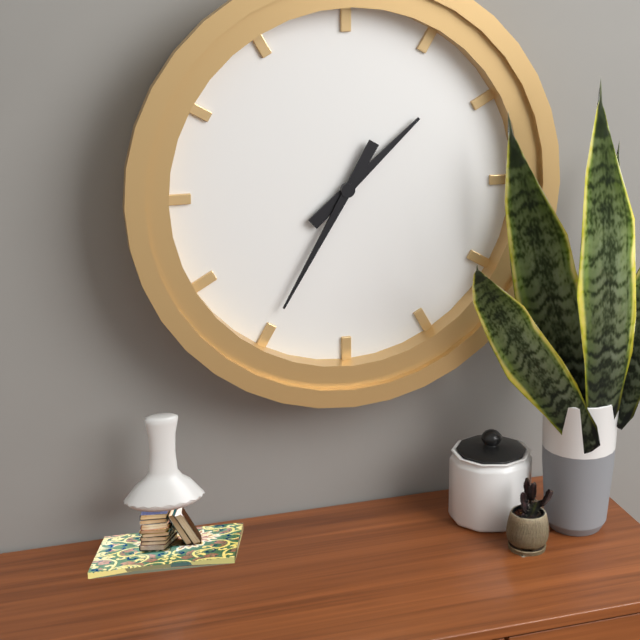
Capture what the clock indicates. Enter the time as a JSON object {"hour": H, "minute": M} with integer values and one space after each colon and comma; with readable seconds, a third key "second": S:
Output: {"hour": 1, "minute": 35}
